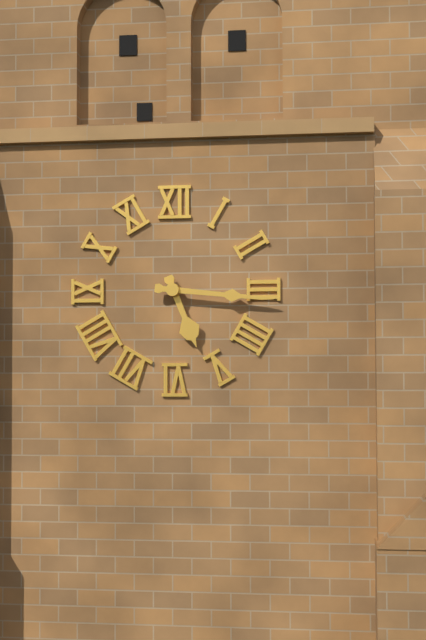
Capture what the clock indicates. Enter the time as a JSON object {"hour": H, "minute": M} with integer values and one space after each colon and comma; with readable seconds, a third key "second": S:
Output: {"hour": 5, "minute": 16}
